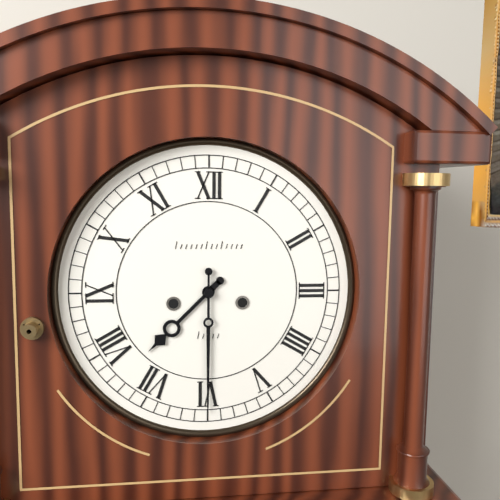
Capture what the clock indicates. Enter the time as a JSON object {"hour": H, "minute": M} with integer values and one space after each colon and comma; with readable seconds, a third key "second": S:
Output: {"hour": 7, "minute": 30}
